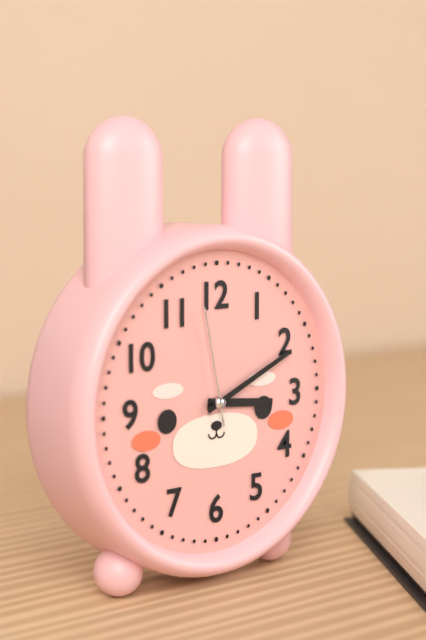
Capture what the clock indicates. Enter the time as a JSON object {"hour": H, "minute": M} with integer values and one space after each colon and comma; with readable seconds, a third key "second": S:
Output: {"hour": 3, "minute": 11, "second": 58}
